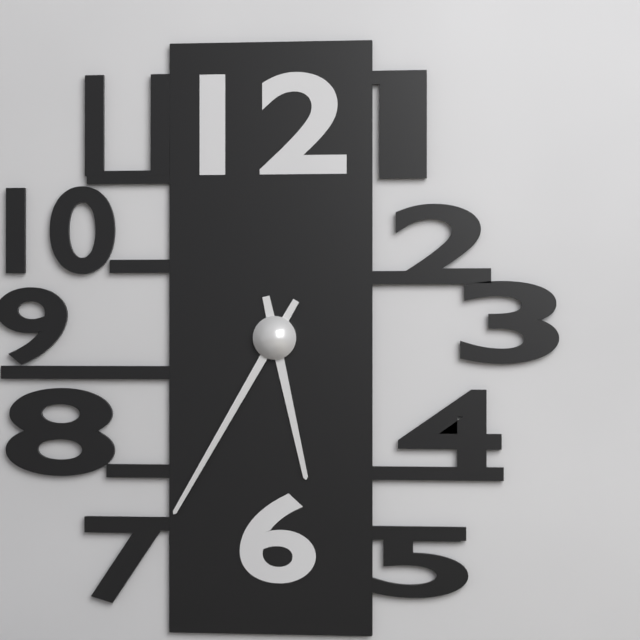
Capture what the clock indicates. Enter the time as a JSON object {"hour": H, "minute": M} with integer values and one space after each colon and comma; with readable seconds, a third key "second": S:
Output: {"hour": 5, "minute": 35}
